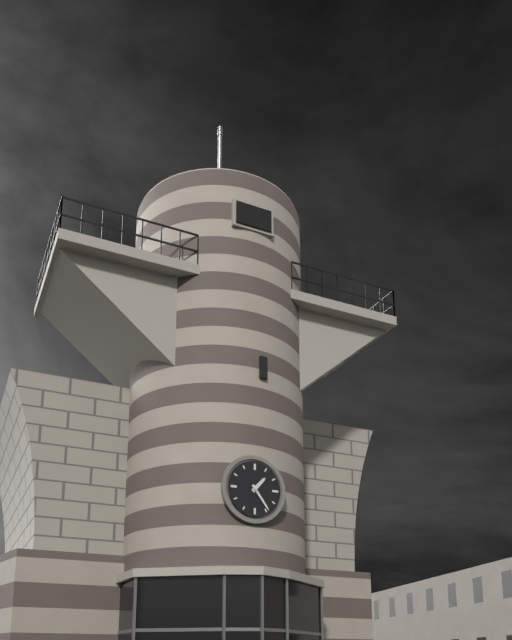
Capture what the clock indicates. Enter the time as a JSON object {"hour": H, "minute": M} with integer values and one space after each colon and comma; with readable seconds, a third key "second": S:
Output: {"hour": 1, "minute": 24}
